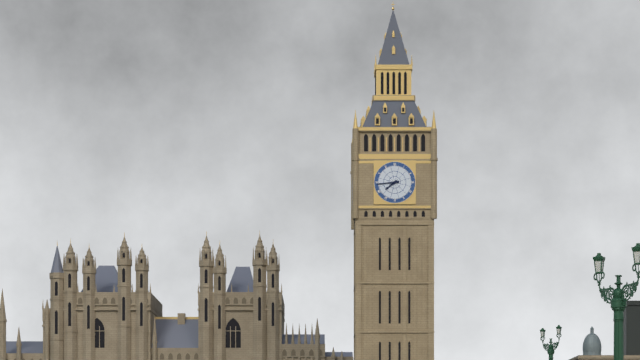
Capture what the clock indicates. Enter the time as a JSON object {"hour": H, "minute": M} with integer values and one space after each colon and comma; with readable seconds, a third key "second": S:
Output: {"hour": 7, "minute": 44}
